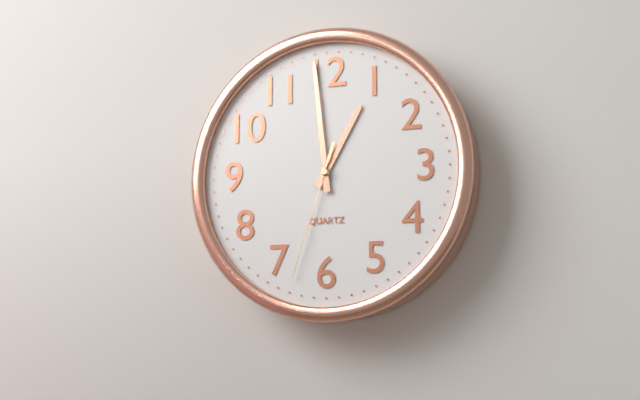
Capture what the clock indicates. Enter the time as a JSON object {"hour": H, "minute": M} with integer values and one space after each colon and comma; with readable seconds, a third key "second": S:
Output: {"hour": 12, "minute": 59, "second": 33}
